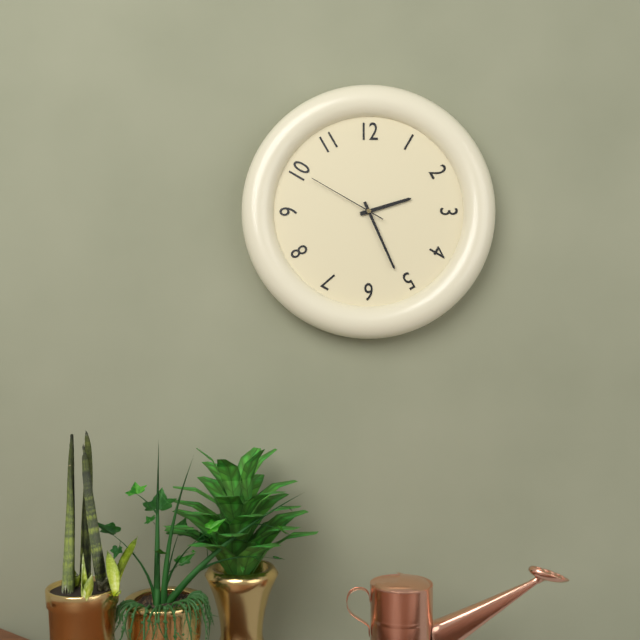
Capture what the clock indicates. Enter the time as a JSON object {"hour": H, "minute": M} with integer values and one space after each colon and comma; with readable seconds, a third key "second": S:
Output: {"hour": 2, "minute": 26, "second": 50}
